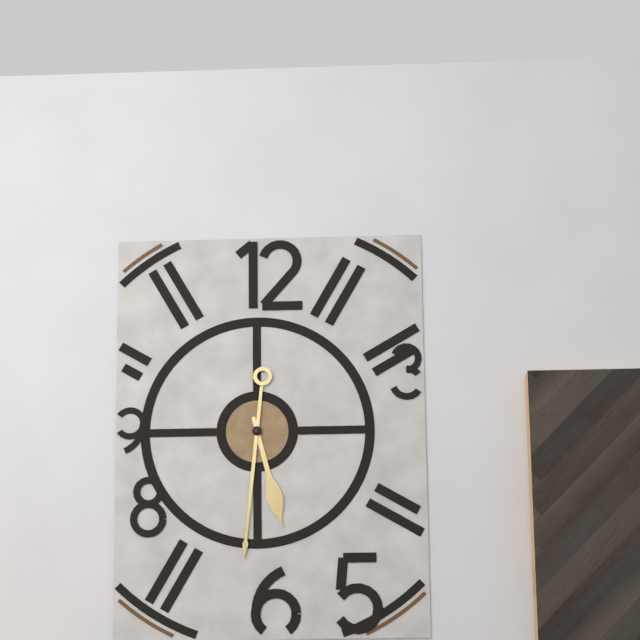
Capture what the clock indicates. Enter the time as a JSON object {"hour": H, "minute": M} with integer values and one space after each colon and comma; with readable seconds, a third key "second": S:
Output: {"hour": 5, "minute": 31}
